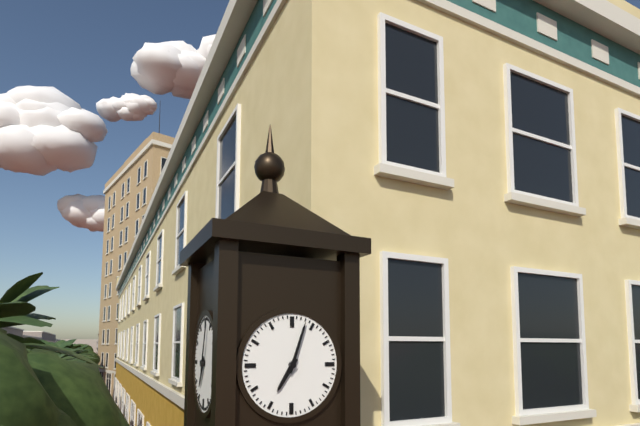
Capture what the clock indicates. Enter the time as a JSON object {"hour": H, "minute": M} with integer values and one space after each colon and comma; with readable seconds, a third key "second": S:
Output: {"hour": 7, "minute": 3}
